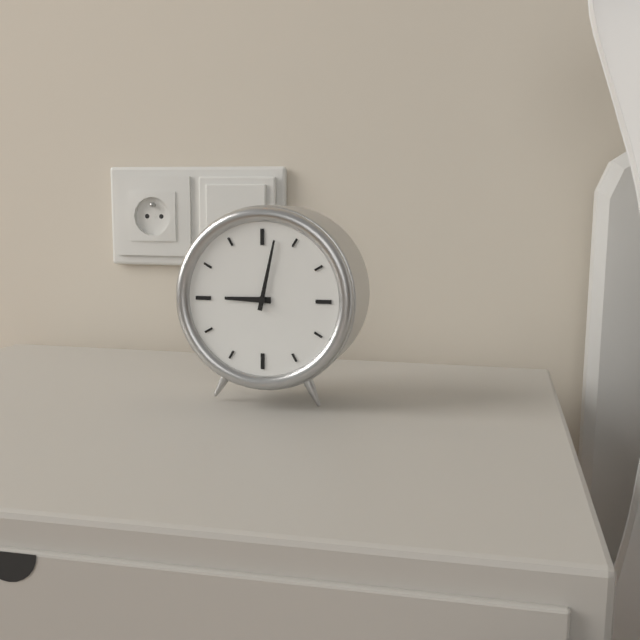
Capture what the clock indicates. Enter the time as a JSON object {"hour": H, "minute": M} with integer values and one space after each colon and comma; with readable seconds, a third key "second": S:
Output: {"hour": 9, "minute": 2}
